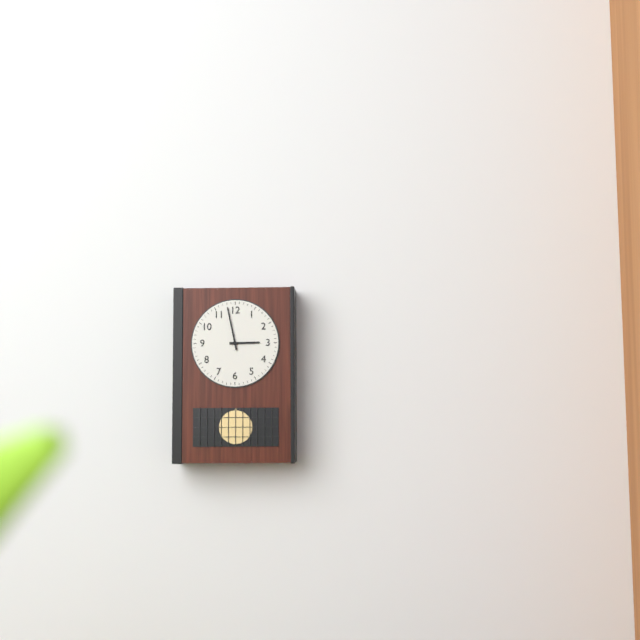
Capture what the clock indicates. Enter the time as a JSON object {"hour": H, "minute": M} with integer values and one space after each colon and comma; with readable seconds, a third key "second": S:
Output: {"hour": 2, "minute": 58}
